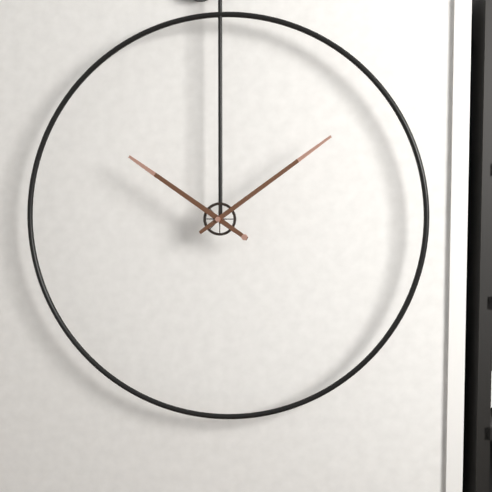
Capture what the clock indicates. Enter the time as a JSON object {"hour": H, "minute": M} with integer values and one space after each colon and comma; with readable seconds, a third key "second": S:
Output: {"hour": 10, "minute": 9}
